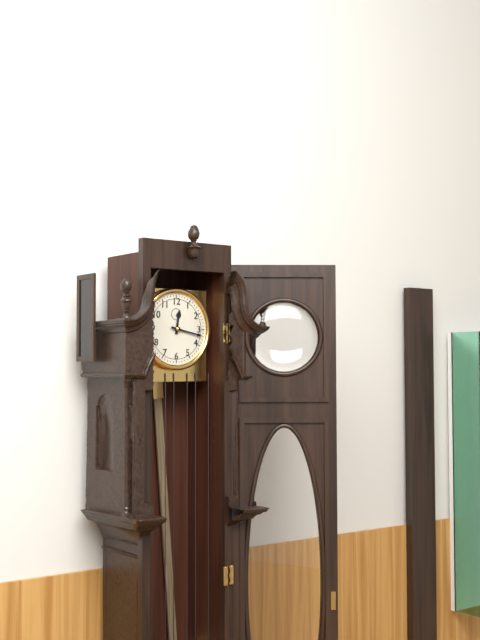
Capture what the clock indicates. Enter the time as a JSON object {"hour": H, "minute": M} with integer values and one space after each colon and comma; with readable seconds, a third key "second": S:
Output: {"hour": 12, "minute": 17}
